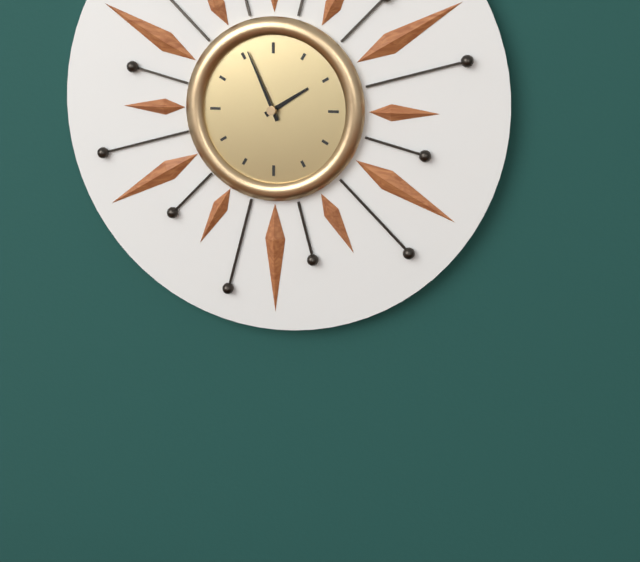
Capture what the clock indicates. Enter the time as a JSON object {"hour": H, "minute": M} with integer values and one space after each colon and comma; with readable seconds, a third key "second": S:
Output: {"hour": 1, "minute": 56}
